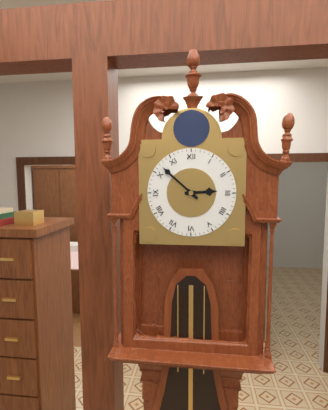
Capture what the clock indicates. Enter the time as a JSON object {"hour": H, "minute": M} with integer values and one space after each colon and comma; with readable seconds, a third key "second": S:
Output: {"hour": 2, "minute": 52}
